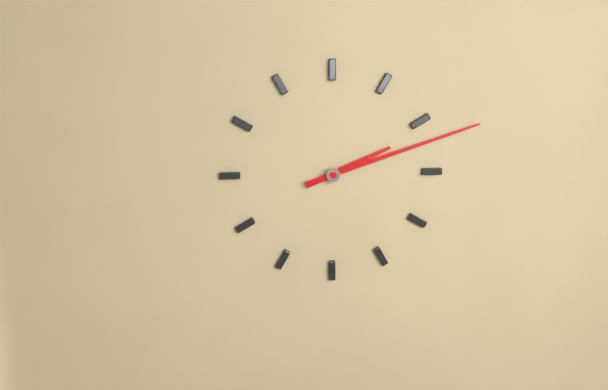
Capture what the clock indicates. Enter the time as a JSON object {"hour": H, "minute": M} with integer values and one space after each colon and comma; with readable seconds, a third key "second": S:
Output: {"hour": 2, "minute": 12}
